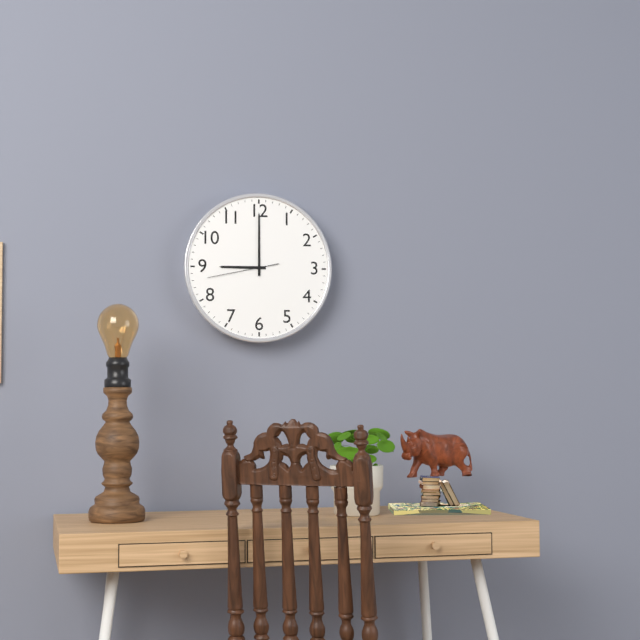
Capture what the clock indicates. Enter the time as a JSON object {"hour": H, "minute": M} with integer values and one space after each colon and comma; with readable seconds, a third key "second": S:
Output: {"hour": 9, "minute": 0, "second": 43}
